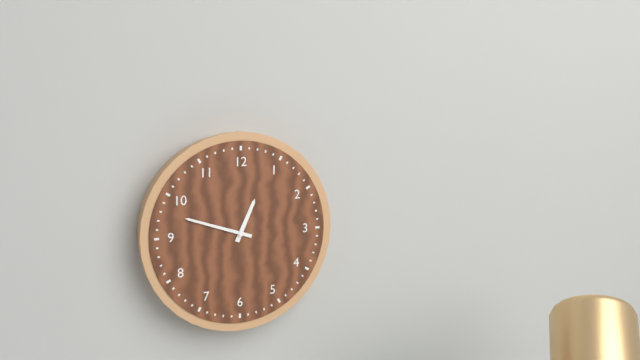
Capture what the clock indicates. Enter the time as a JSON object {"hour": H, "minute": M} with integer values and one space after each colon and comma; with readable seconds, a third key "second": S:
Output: {"hour": 12, "minute": 48}
